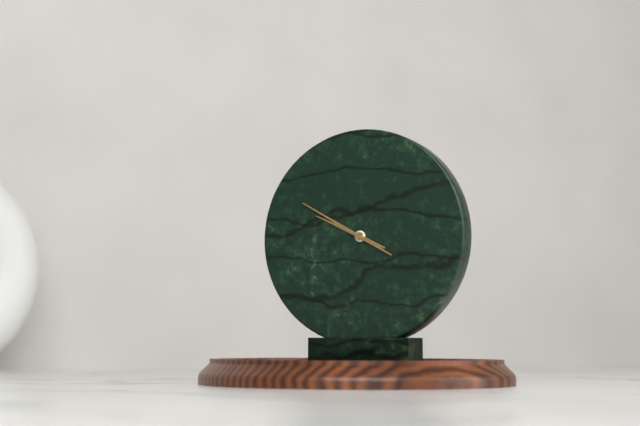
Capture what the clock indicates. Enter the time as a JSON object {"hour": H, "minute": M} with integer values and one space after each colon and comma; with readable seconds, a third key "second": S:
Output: {"hour": 9, "minute": 50}
